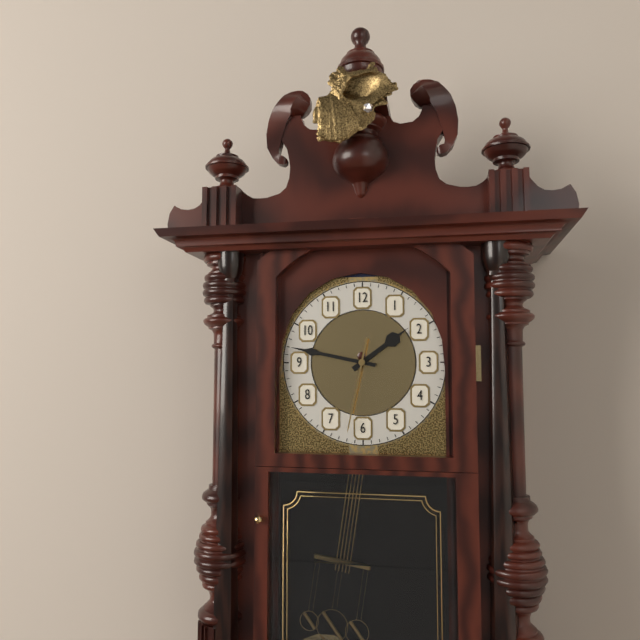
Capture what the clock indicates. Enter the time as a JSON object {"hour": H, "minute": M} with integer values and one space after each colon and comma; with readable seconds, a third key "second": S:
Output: {"hour": 1, "minute": 47, "second": 32}
